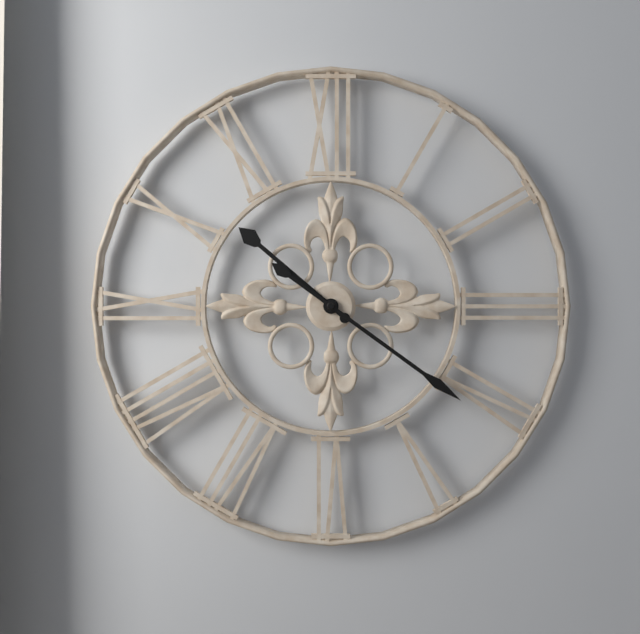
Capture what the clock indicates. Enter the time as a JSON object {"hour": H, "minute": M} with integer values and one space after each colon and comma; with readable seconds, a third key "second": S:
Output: {"hour": 10, "minute": 21}
